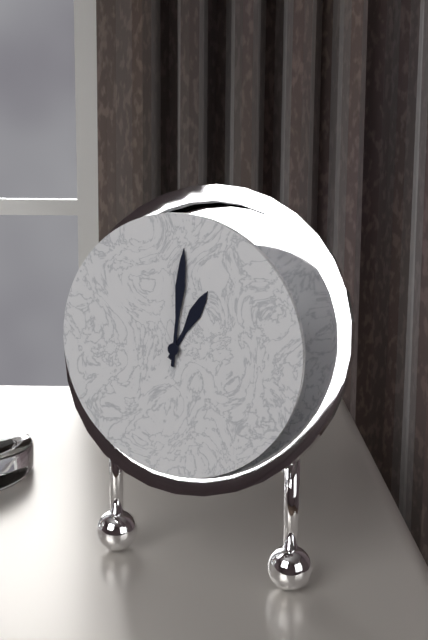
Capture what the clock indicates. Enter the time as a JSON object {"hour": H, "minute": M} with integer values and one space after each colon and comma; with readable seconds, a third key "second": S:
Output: {"hour": 1, "minute": 1}
